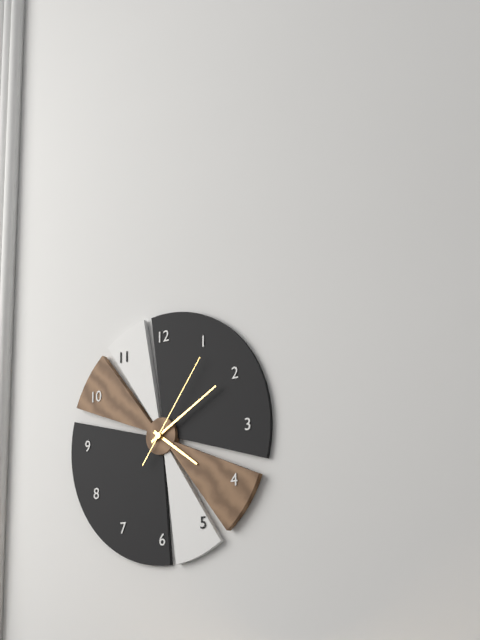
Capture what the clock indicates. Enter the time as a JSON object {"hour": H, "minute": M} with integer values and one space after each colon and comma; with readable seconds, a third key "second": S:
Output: {"hour": 4, "minute": 10, "second": 6}
